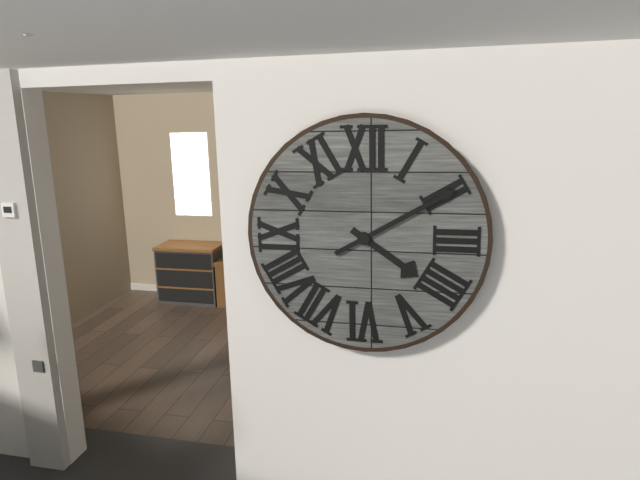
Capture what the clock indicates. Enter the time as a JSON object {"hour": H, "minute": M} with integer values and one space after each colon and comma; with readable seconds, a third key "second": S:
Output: {"hour": 4, "minute": 10}
